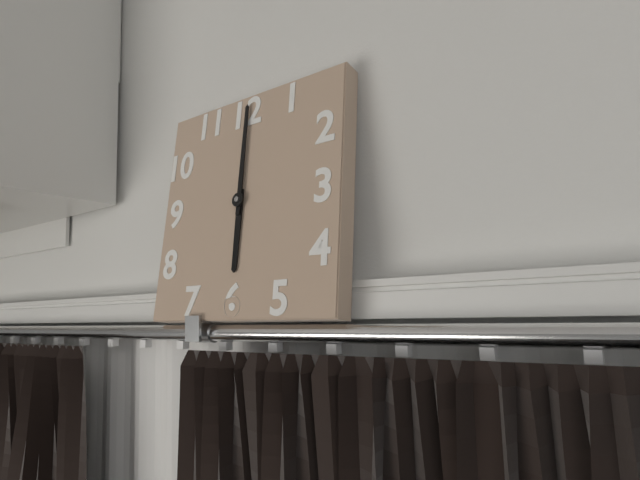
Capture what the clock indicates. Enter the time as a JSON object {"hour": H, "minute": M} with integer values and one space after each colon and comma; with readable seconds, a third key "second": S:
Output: {"hour": 6, "minute": 0}
